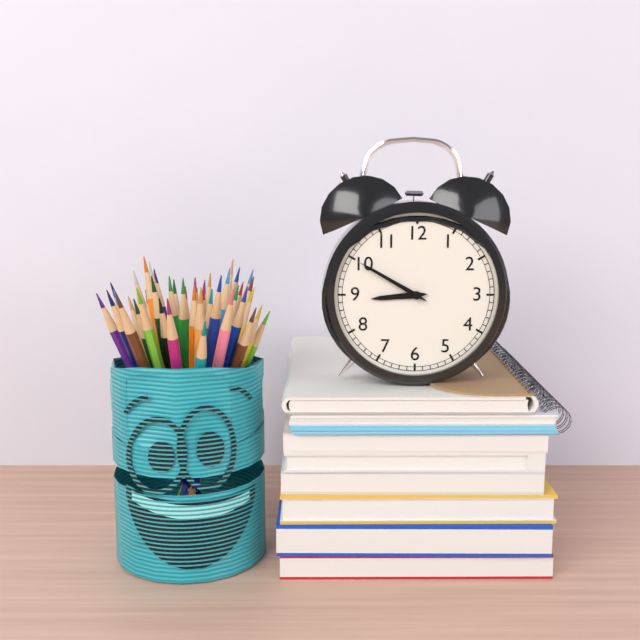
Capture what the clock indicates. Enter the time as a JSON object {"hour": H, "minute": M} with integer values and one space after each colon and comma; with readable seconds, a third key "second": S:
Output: {"hour": 8, "minute": 50}
